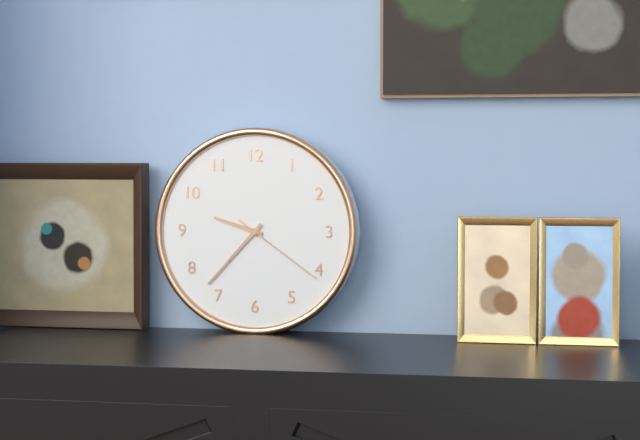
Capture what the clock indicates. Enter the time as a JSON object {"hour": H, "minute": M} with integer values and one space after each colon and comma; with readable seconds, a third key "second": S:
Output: {"hour": 9, "minute": 37, "second": 21}
